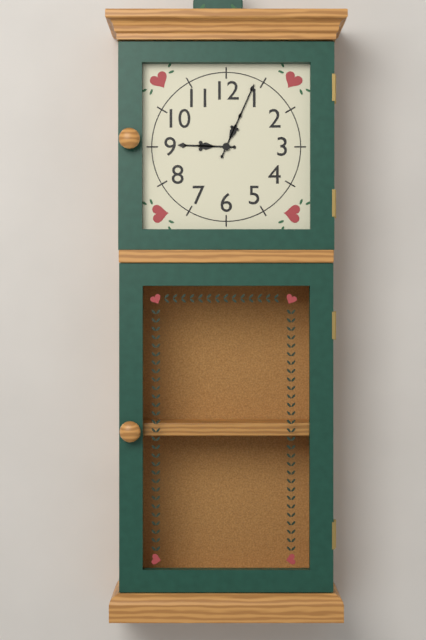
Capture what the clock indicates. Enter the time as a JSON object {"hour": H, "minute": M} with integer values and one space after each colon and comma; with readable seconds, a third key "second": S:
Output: {"hour": 9, "minute": 4}
